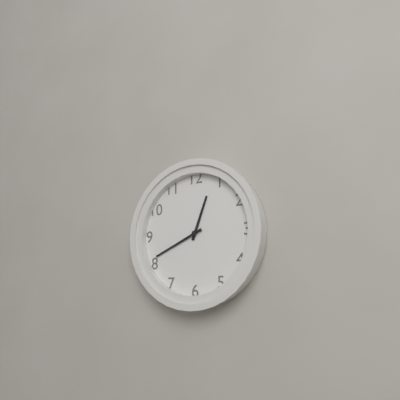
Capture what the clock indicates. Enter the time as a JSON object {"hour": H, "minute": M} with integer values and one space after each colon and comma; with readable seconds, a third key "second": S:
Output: {"hour": 12, "minute": 41}
